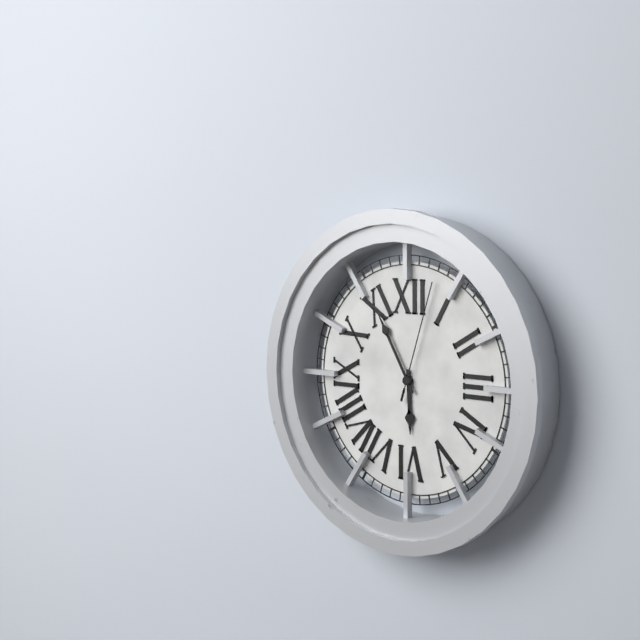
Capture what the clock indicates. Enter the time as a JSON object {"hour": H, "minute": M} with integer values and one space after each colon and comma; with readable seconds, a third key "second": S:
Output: {"hour": 5, "minute": 55, "second": 3}
